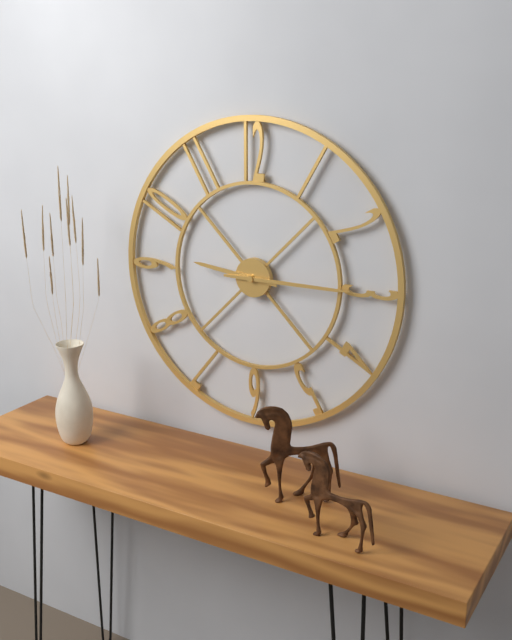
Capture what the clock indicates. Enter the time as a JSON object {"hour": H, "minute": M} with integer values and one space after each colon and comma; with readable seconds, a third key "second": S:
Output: {"hour": 9, "minute": 15}
